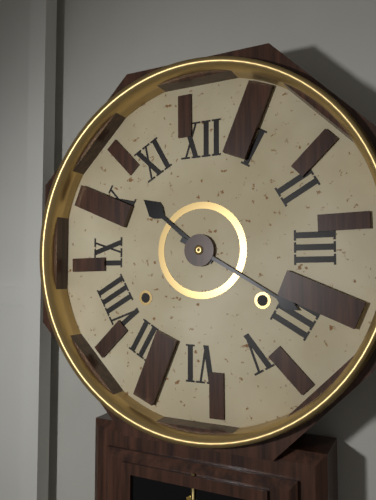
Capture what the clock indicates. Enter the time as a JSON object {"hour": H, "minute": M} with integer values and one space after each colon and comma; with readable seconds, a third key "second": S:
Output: {"hour": 10, "minute": 20}
